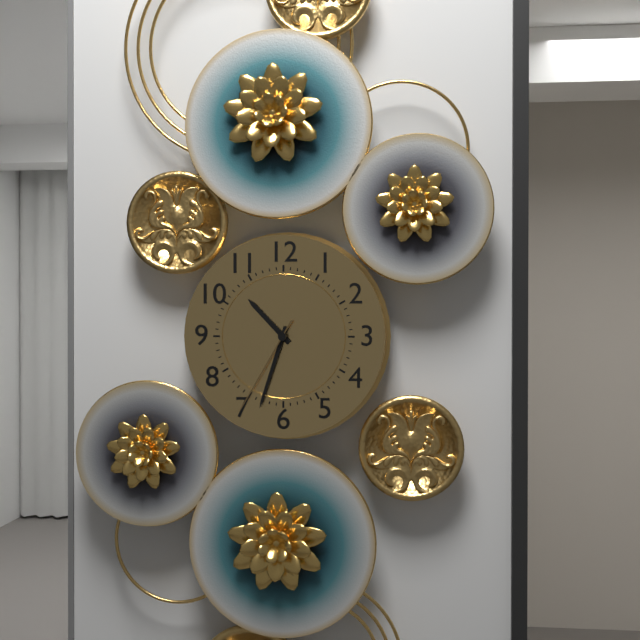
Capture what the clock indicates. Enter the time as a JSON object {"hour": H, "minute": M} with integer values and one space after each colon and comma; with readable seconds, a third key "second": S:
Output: {"hour": 10, "minute": 33, "second": 35}
